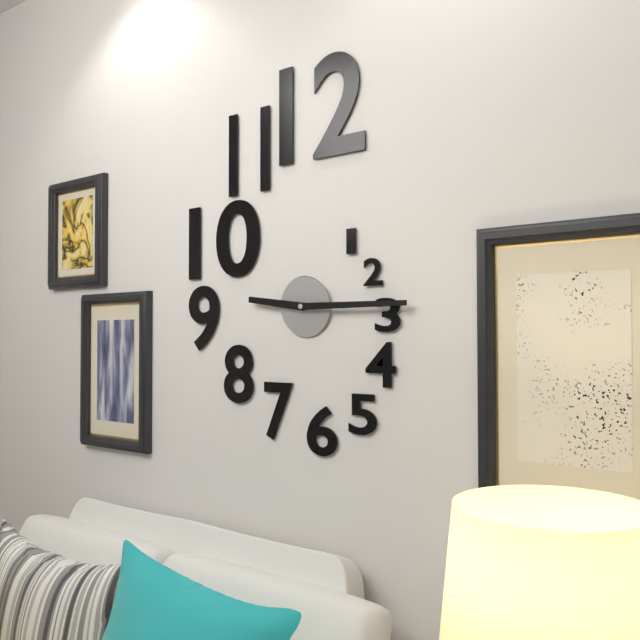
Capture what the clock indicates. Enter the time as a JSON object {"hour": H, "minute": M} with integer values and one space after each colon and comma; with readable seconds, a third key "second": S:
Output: {"hour": 9, "minute": 15}
